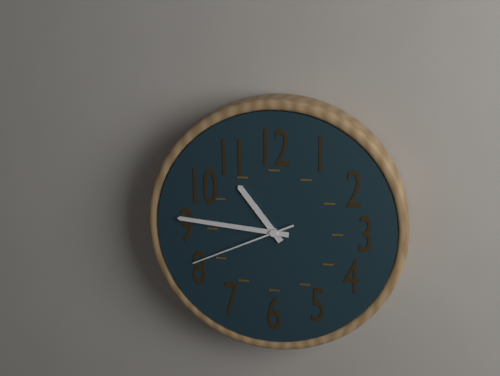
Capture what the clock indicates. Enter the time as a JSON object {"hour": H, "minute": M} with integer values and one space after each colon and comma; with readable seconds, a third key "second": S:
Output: {"hour": 10, "minute": 46, "second": 41}
